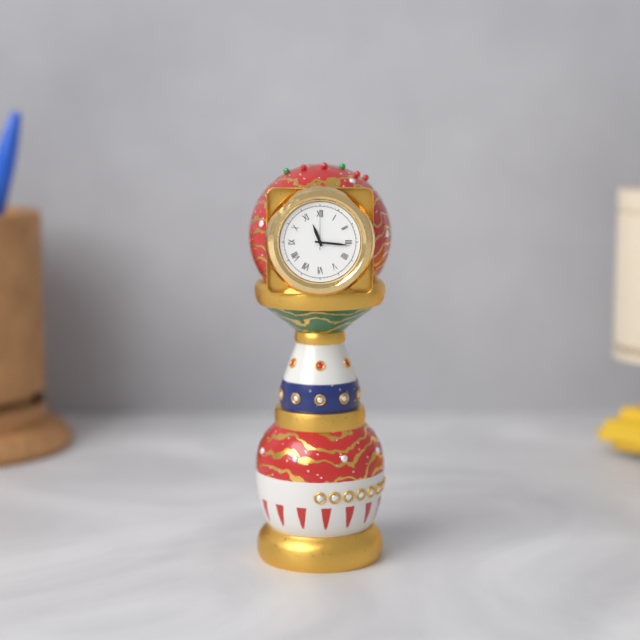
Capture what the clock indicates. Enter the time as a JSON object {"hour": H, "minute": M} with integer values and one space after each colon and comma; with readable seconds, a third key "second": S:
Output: {"hour": 11, "minute": 16}
